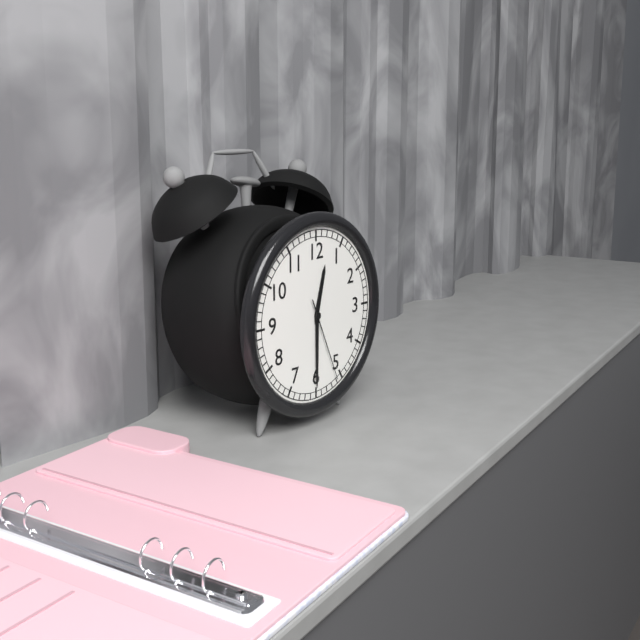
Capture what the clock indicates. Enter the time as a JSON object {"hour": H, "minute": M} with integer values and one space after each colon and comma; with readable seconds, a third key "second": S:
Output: {"hour": 12, "minute": 30, "second": 26}
